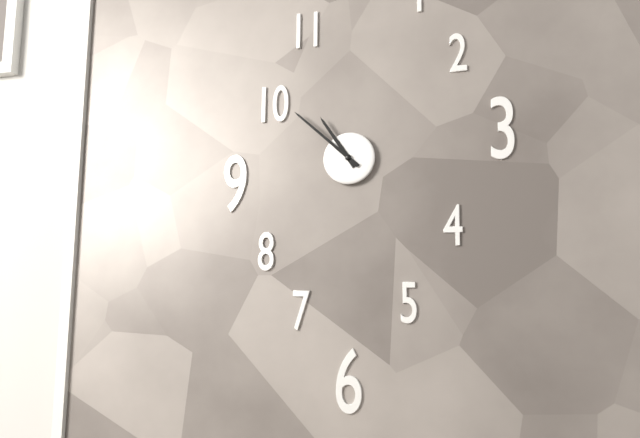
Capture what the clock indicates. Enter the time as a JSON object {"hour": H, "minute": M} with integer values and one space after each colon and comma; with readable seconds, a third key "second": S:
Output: {"hour": 10, "minute": 52}
